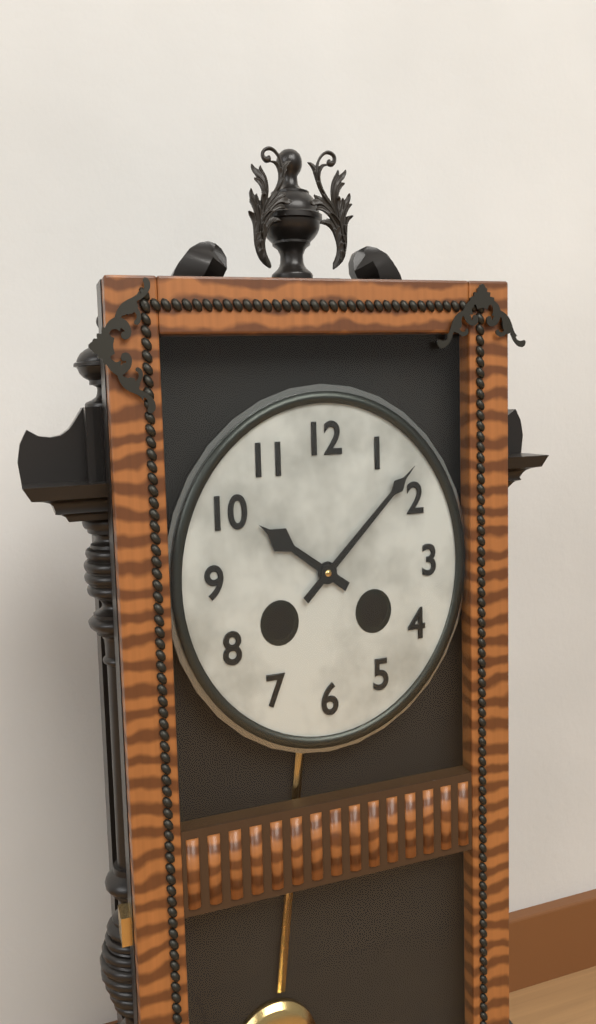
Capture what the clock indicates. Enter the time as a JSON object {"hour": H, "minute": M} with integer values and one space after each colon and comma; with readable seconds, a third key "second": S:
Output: {"hour": 10, "minute": 8}
